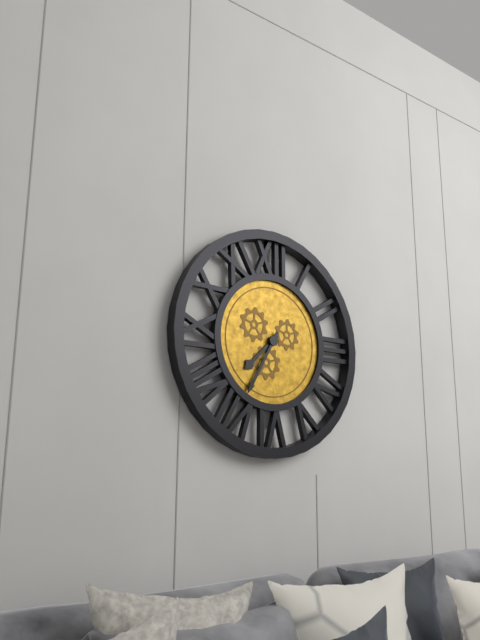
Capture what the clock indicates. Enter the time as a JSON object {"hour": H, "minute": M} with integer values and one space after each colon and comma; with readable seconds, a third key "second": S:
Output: {"hour": 7, "minute": 35}
